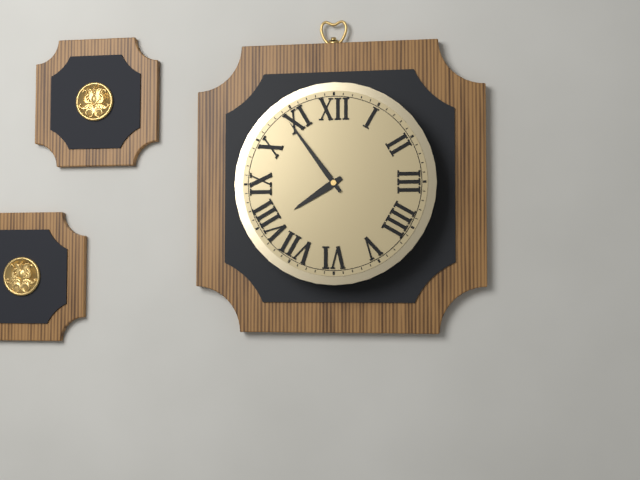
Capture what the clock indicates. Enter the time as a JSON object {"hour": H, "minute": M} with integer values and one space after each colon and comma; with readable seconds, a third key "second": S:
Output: {"hour": 7, "minute": 54}
